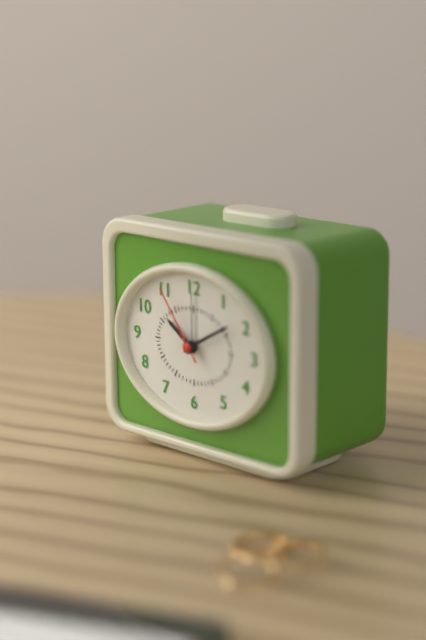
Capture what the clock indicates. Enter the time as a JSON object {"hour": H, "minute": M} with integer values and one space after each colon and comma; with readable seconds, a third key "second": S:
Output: {"hour": 10, "minute": 10, "second": 54}
